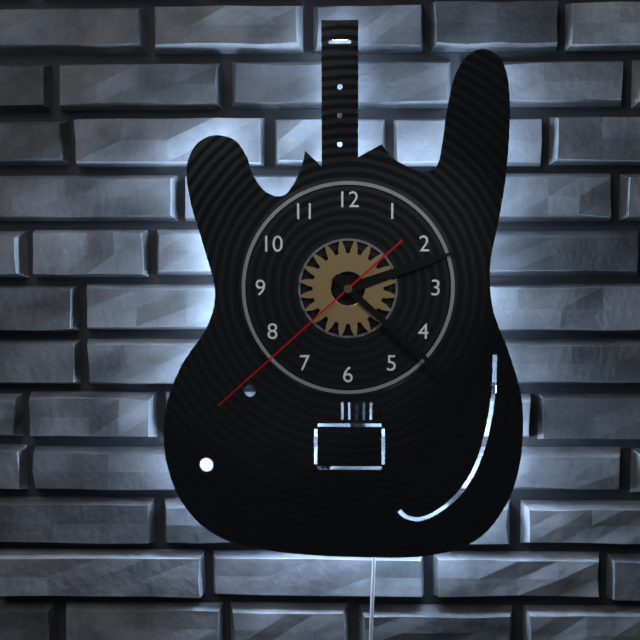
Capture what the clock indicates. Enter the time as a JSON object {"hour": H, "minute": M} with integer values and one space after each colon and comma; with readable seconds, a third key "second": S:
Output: {"hour": 2, "minute": 22, "second": 38}
